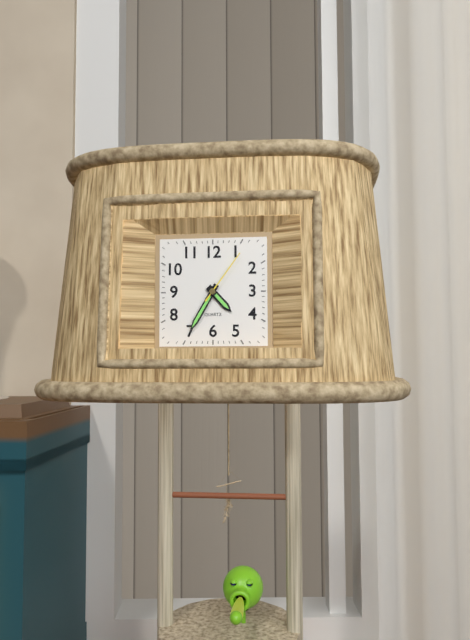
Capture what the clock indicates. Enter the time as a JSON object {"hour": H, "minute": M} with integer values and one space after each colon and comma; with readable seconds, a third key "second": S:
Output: {"hour": 4, "minute": 35, "second": 6}
